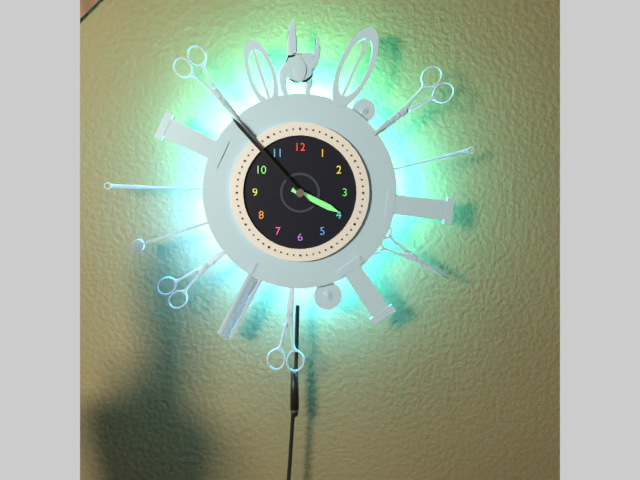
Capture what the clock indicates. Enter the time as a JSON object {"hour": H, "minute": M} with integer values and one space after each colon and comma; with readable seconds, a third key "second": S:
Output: {"hour": 3, "minute": 53}
